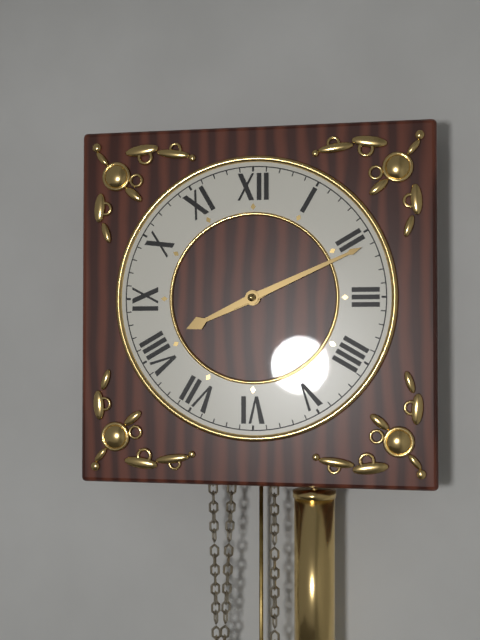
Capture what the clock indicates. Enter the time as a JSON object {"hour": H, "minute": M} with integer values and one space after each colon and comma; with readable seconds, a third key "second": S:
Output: {"hour": 8, "minute": 11}
